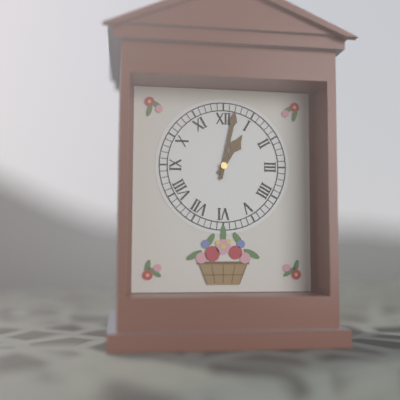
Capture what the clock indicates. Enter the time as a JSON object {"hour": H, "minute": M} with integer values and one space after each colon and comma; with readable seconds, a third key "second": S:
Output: {"hour": 1, "minute": 2}
